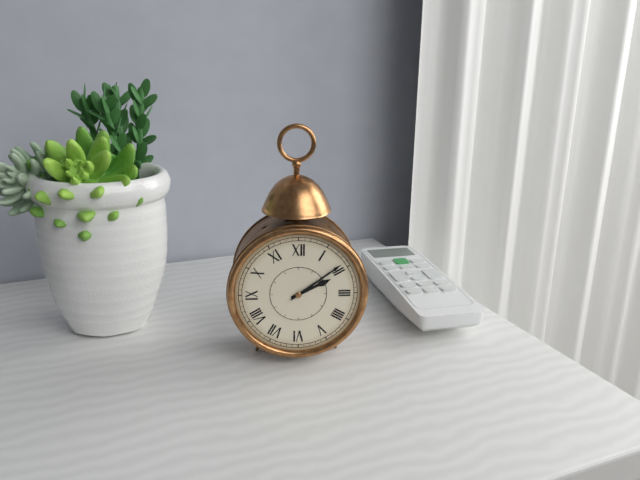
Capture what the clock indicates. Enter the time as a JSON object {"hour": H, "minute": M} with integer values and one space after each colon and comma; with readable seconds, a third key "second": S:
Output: {"hour": 2, "minute": 9}
